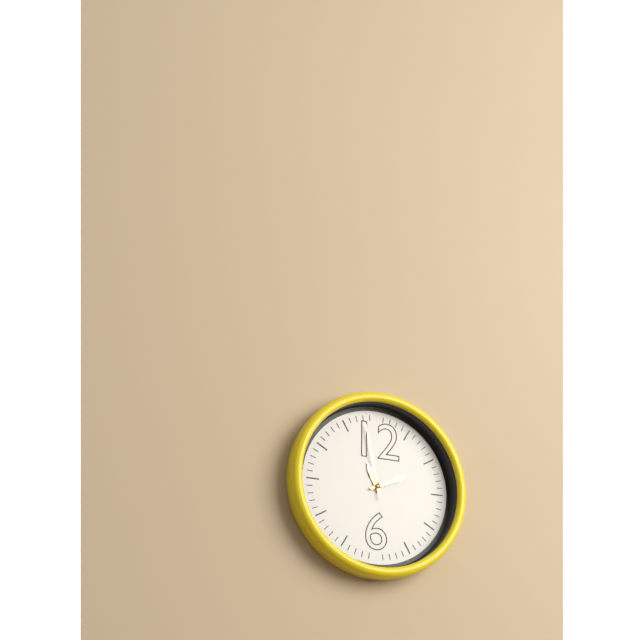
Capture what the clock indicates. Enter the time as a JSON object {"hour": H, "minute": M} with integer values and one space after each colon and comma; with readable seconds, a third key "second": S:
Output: {"hour": 11, "minute": 11, "second": 58}
